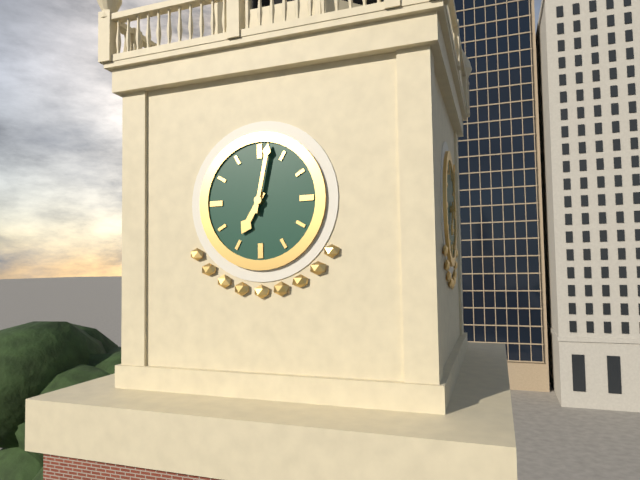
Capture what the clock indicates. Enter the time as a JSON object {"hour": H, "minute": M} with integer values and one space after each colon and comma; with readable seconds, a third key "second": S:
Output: {"hour": 7, "minute": 2}
